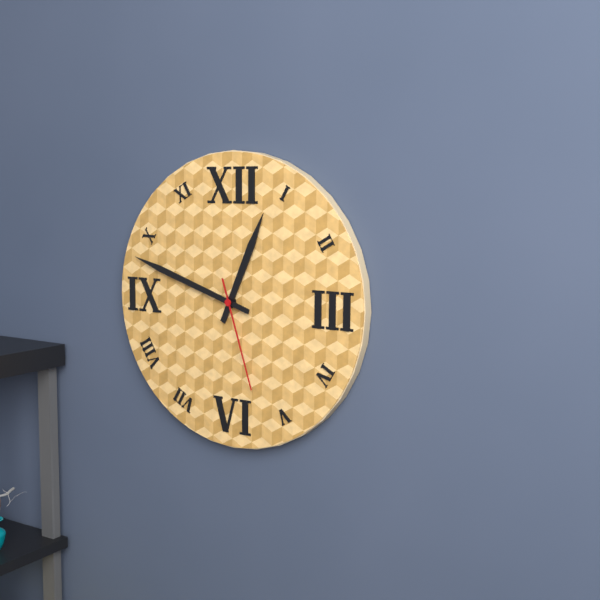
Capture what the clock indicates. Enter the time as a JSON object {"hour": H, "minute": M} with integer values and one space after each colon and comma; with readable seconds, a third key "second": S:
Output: {"hour": 12, "minute": 48, "second": 27}
